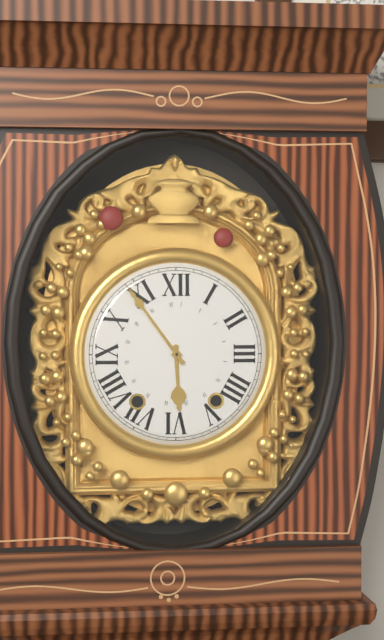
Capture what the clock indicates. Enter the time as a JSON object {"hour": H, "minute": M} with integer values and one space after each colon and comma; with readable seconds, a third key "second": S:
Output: {"hour": 5, "minute": 54}
